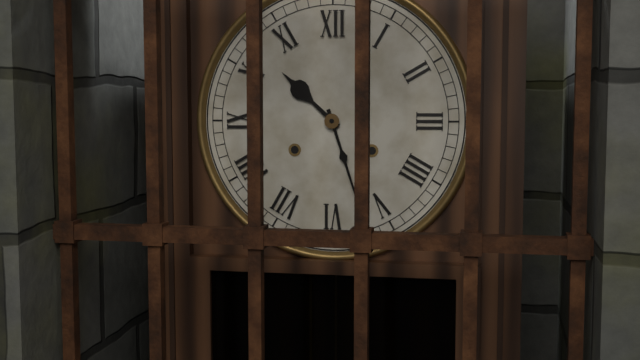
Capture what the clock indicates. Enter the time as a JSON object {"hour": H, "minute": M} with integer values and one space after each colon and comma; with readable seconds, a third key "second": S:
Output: {"hour": 10, "minute": 27}
